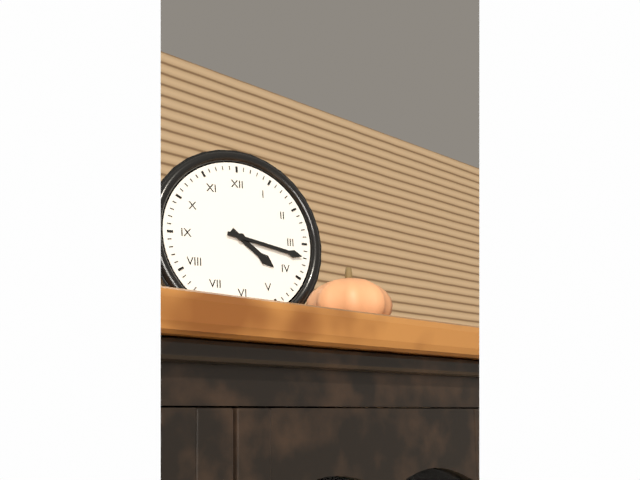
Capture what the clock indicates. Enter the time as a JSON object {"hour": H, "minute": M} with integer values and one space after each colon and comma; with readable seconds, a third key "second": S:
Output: {"hour": 4, "minute": 17}
